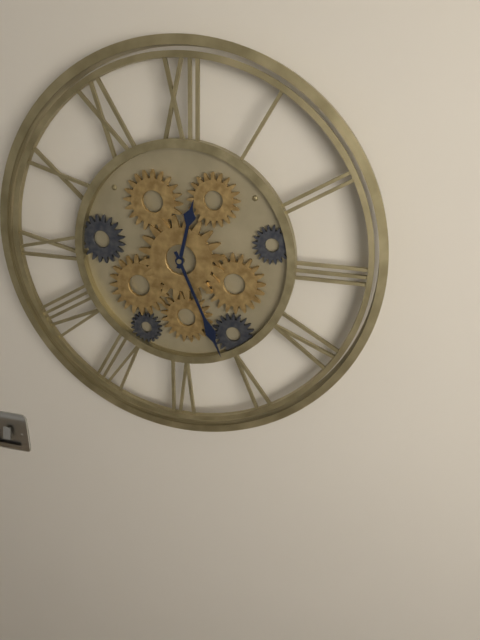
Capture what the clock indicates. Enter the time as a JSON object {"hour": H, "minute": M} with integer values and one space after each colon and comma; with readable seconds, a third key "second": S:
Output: {"hour": 12, "minute": 26}
